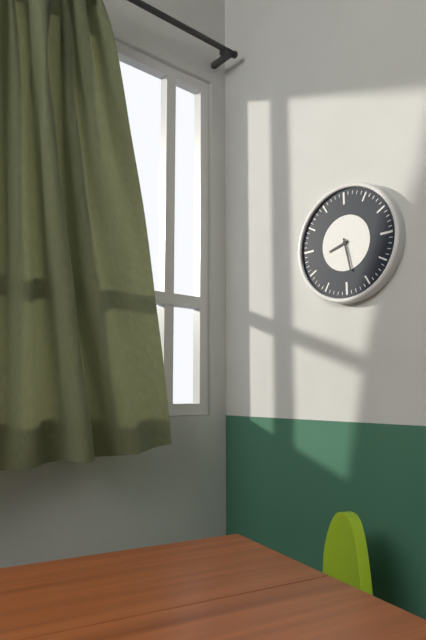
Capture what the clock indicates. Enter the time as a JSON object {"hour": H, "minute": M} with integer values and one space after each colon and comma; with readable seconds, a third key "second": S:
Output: {"hour": 8, "minute": 28}
